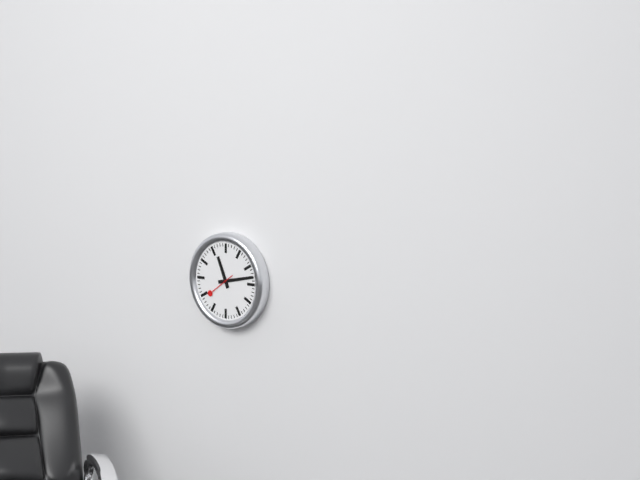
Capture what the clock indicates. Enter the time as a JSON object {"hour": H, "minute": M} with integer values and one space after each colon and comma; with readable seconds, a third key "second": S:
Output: {"hour": 11, "minute": 13}
